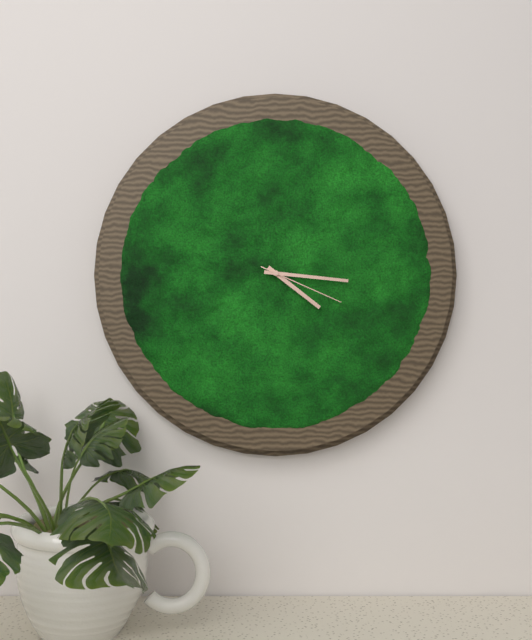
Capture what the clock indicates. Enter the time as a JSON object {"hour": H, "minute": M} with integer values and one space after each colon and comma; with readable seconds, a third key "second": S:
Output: {"hour": 4, "minute": 16, "second": 19}
